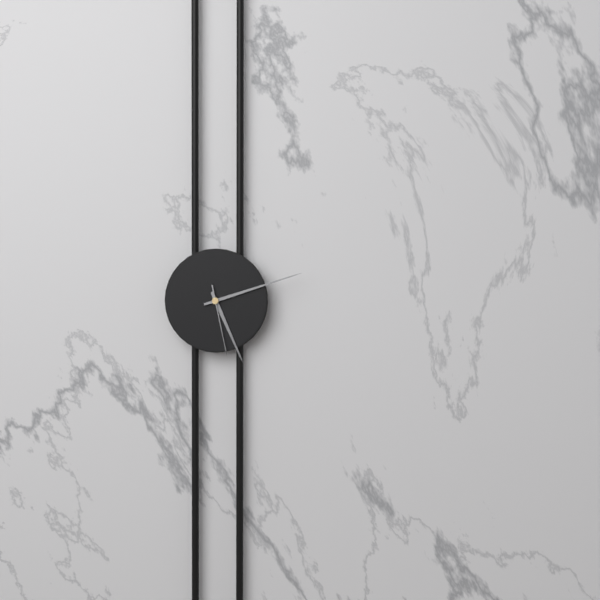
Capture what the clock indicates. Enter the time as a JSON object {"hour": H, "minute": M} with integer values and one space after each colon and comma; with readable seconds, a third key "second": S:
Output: {"hour": 5, "minute": 12, "second": 28}
